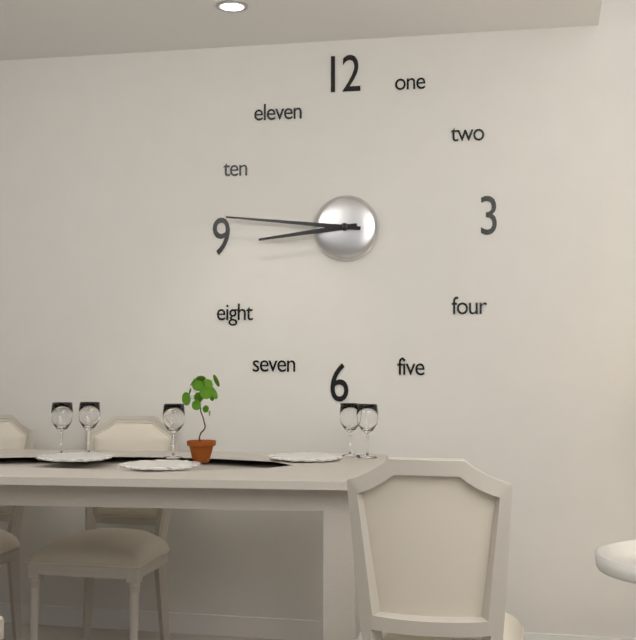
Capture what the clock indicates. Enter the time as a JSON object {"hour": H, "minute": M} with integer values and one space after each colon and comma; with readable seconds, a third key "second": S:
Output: {"hour": 8, "minute": 46}
